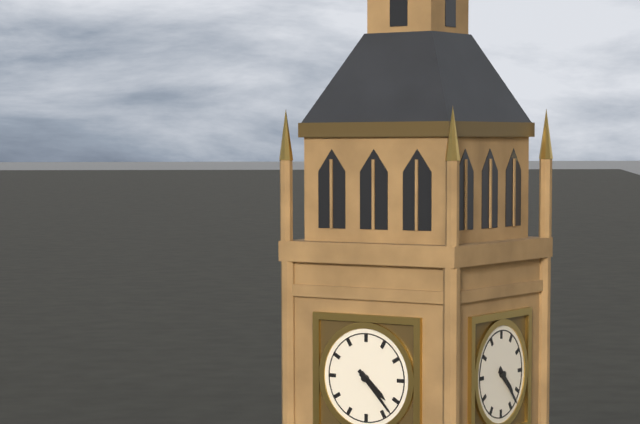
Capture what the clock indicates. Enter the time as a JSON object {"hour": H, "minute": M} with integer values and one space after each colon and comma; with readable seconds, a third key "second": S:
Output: {"hour": 4, "minute": 23}
